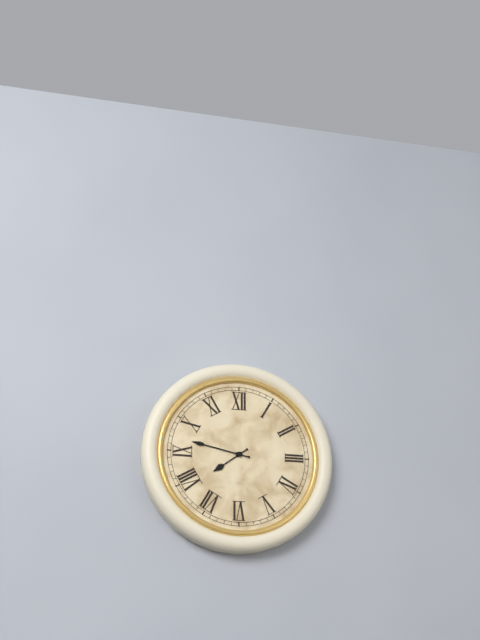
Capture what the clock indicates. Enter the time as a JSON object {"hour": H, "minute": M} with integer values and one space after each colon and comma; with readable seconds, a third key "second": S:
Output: {"hour": 7, "minute": 47}
